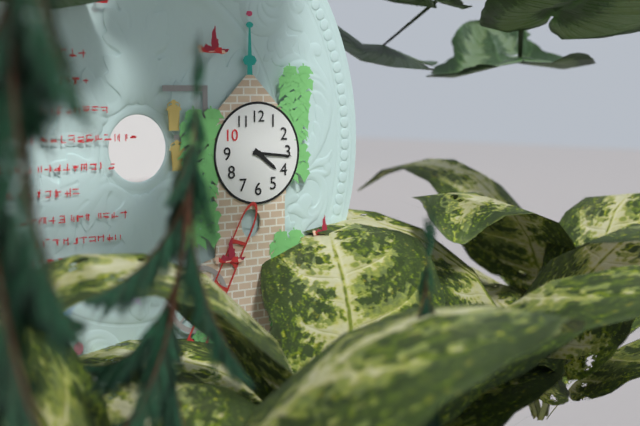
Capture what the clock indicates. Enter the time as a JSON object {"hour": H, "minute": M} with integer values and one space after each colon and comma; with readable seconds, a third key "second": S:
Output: {"hour": 4, "minute": 16}
